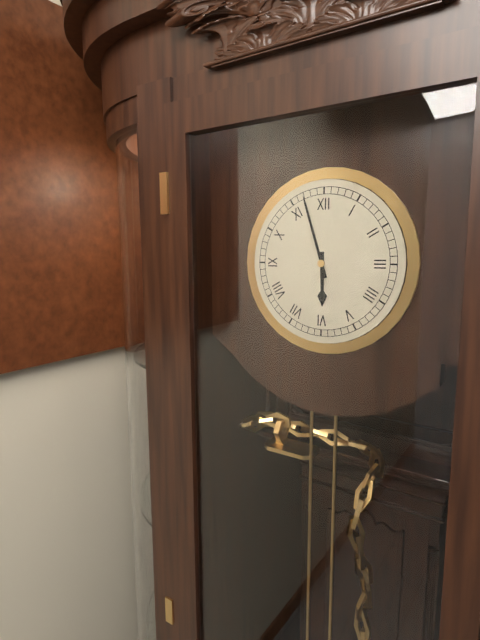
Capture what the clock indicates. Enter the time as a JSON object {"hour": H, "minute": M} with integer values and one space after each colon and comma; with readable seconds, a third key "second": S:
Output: {"hour": 5, "minute": 57}
